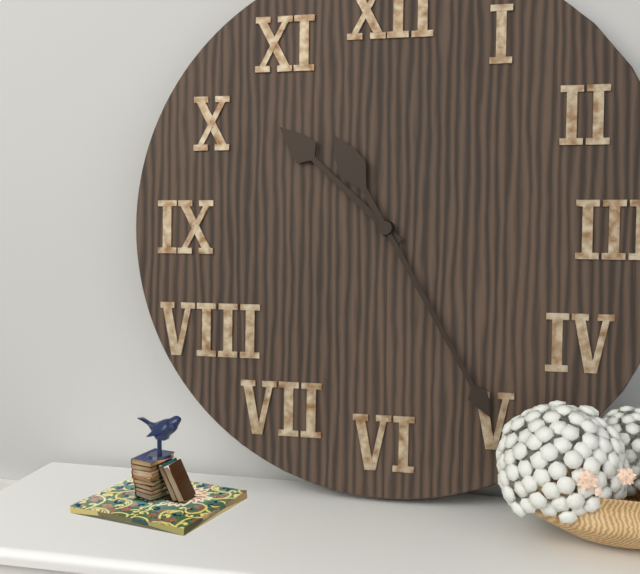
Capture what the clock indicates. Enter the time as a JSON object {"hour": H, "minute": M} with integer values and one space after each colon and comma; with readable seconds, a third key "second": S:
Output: {"hour": 10, "minute": 25}
